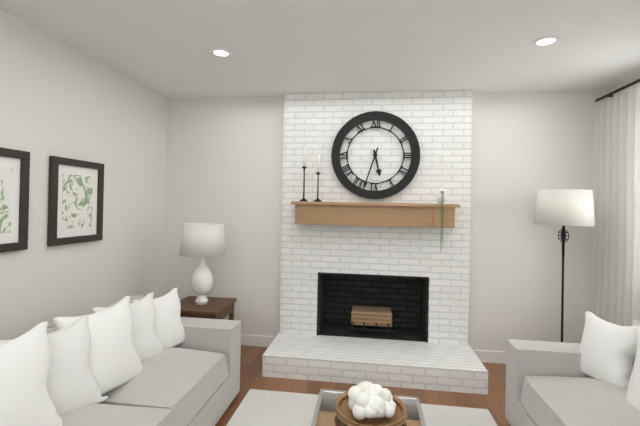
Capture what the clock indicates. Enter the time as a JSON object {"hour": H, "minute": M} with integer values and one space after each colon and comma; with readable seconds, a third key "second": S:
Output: {"hour": 5, "minute": 33}
